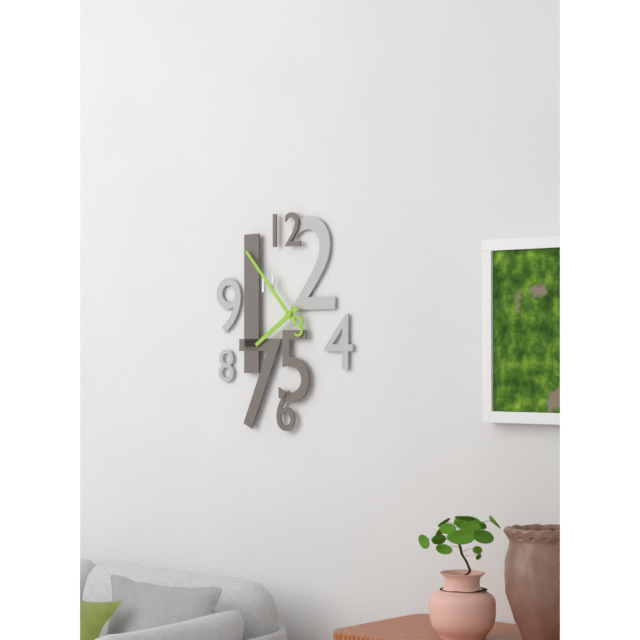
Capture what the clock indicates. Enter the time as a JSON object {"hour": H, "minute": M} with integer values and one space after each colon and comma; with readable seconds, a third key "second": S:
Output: {"hour": 7, "minute": 53}
